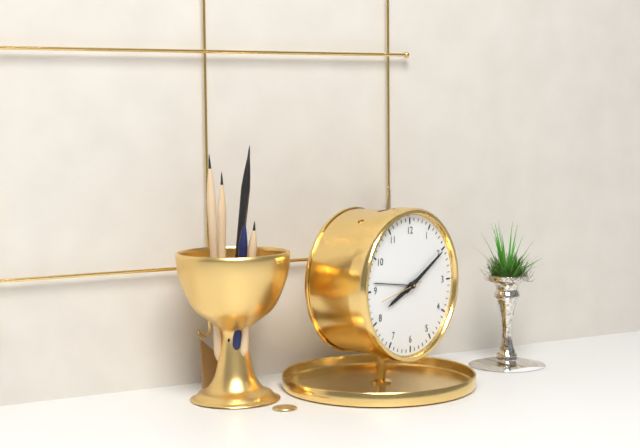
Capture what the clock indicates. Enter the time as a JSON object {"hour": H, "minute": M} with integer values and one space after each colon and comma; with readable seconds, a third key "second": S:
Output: {"hour": 8, "minute": 10}
